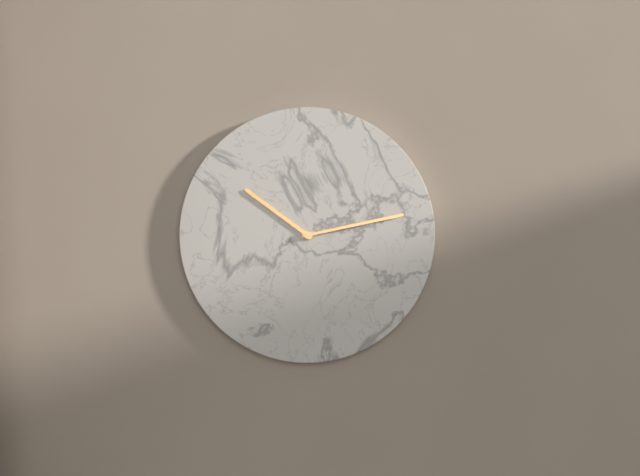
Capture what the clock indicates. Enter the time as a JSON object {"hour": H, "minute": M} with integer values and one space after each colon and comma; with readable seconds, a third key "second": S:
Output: {"hour": 10, "minute": 13}
